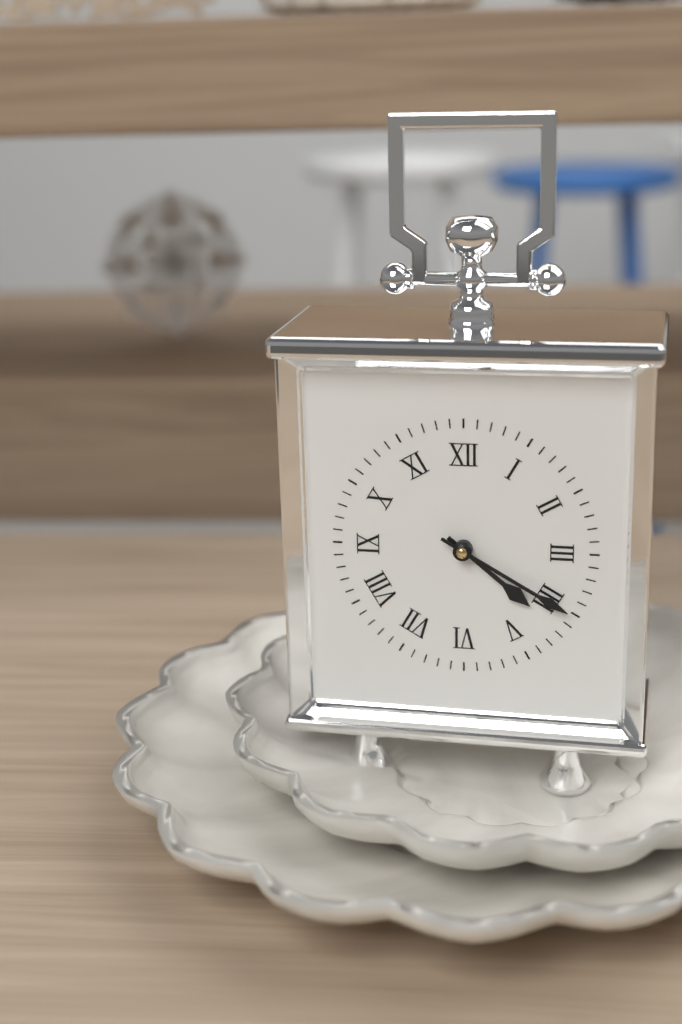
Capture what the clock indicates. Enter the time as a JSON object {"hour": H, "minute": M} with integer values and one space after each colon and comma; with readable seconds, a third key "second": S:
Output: {"hour": 4, "minute": 20}
